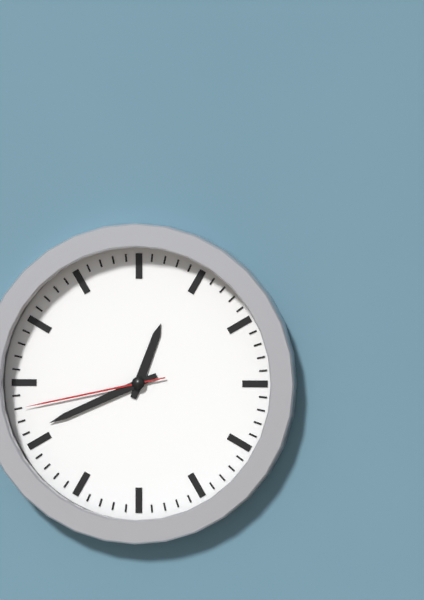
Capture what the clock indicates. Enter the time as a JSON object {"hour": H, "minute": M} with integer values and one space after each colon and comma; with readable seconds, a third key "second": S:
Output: {"hour": 12, "minute": 41, "second": 43}
